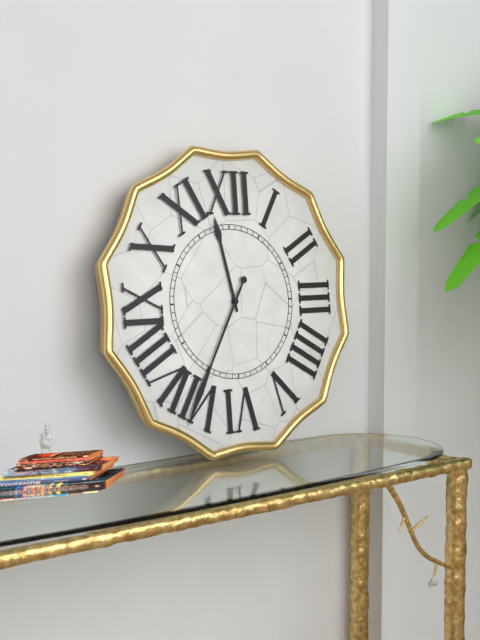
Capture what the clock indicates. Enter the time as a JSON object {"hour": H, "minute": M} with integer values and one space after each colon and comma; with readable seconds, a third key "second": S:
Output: {"hour": 11, "minute": 35}
